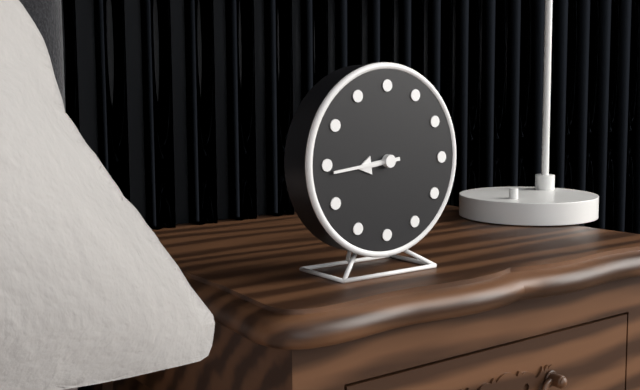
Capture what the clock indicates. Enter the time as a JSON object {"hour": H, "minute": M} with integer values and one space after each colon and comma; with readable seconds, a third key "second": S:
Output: {"hour": 8, "minute": 44}
